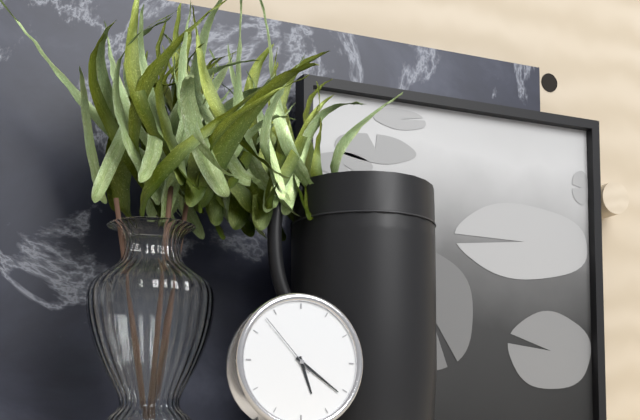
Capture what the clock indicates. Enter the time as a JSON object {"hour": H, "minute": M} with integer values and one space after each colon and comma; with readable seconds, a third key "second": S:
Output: {"hour": 5, "minute": 21, "second": 53}
